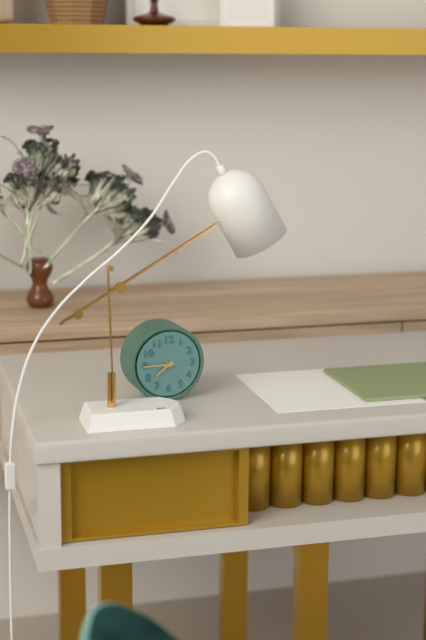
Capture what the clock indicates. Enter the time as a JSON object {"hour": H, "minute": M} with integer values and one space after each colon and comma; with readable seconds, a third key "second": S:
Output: {"hour": 7, "minute": 45}
